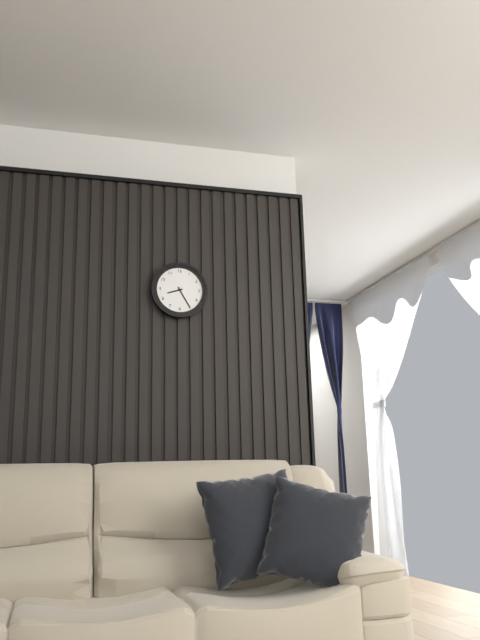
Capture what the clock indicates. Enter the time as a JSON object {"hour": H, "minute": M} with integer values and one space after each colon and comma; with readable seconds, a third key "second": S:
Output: {"hour": 8, "minute": 25}
